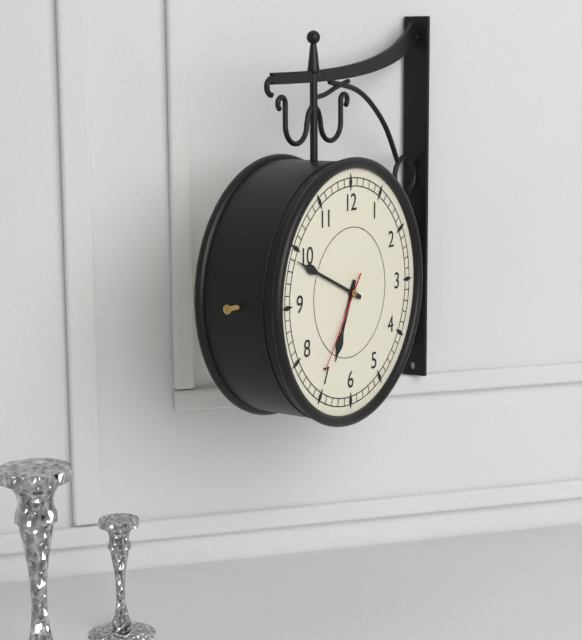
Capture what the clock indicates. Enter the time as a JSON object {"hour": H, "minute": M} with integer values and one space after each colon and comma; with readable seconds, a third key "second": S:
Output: {"hour": 6, "minute": 49, "second": 36}
